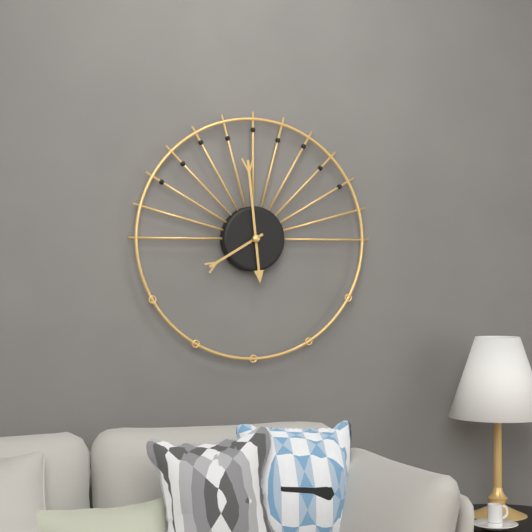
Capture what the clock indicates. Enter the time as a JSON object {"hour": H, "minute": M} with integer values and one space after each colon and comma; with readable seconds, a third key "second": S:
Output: {"hour": 7, "minute": 59}
